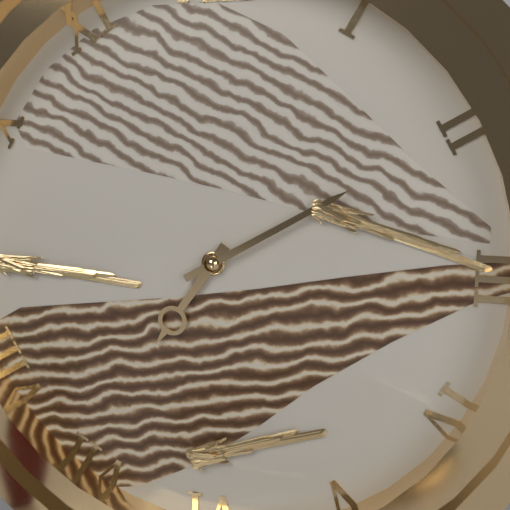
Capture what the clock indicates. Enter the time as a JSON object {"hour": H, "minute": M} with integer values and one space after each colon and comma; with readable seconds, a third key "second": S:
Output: {"hour": 7, "minute": 10}
